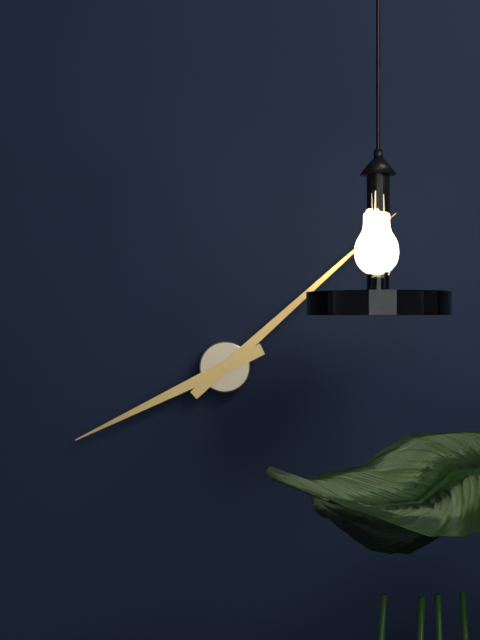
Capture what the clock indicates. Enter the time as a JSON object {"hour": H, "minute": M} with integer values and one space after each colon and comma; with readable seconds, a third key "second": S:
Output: {"hour": 8, "minute": 8}
